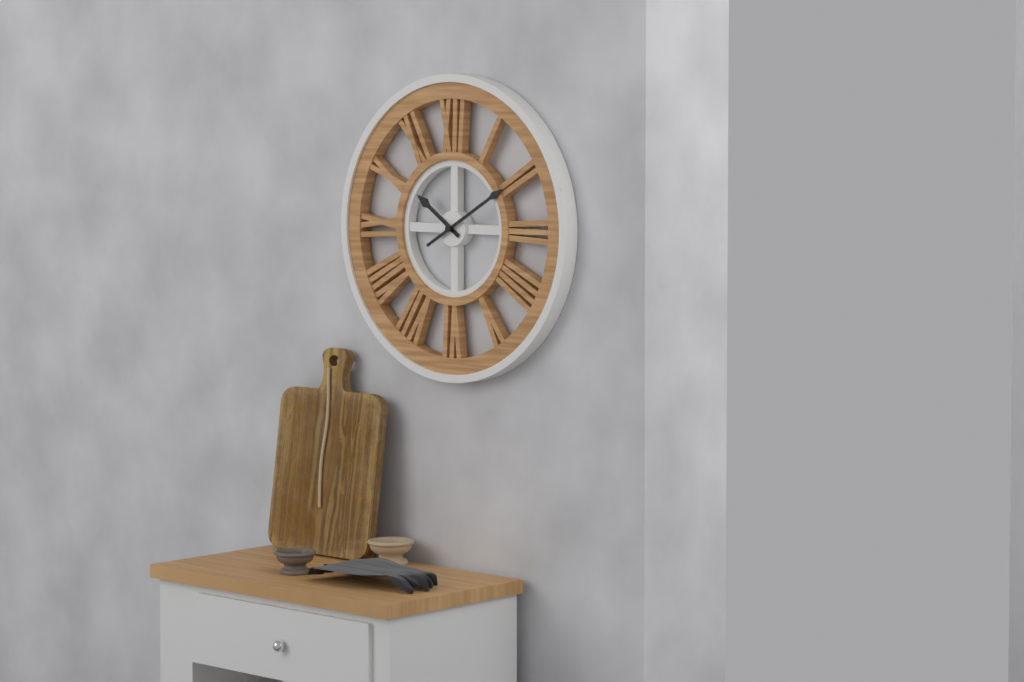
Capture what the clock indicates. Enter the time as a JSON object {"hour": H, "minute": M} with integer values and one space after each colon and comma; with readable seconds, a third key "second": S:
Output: {"hour": 10, "minute": 10}
